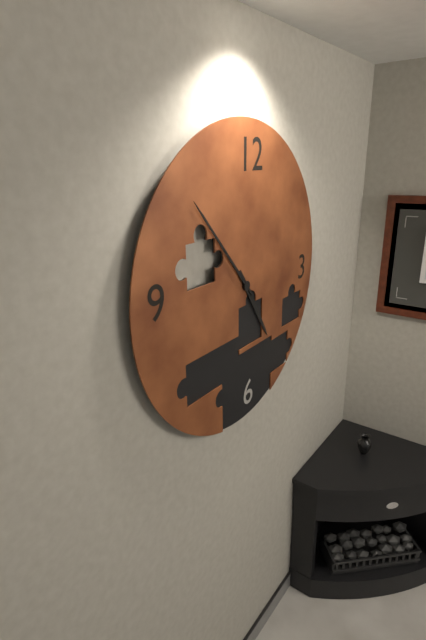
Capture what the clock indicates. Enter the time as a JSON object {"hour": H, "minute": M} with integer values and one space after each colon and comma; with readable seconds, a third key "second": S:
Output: {"hour": 4, "minute": 53}
